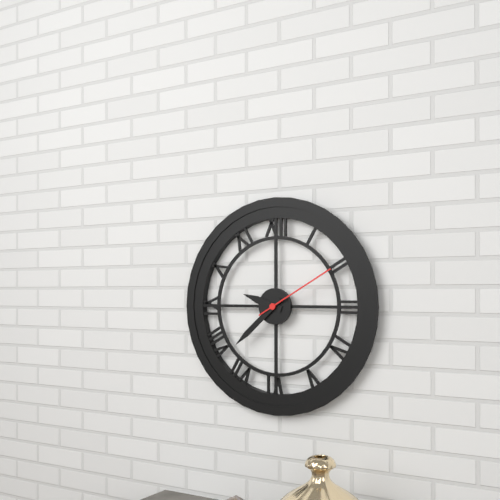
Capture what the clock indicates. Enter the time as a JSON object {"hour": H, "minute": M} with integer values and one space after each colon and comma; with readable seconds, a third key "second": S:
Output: {"hour": 9, "minute": 38, "second": 10}
